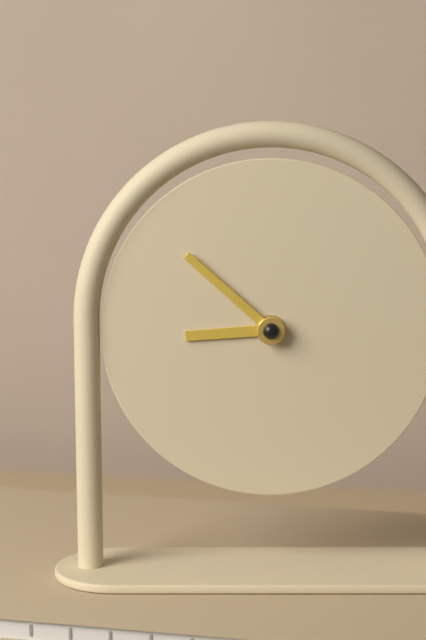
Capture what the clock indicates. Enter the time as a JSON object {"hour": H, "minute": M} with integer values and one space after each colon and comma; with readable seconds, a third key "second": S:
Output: {"hour": 8, "minute": 52}
